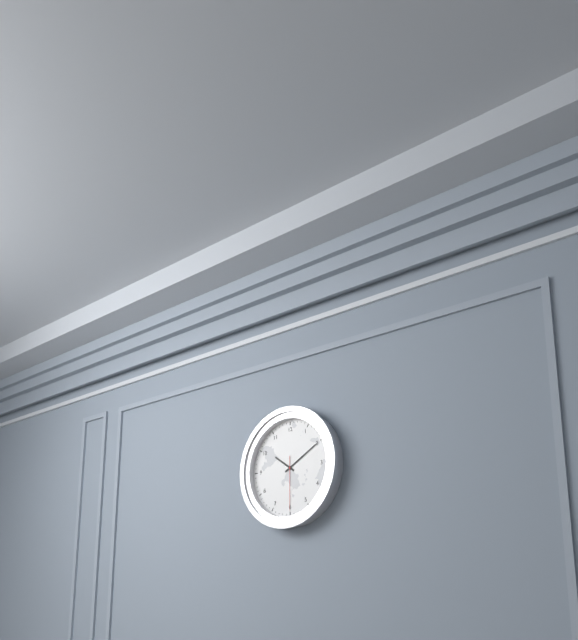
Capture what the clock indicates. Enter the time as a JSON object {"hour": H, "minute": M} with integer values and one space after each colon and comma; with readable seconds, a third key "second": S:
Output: {"hour": 10, "minute": 10, "second": 30}
